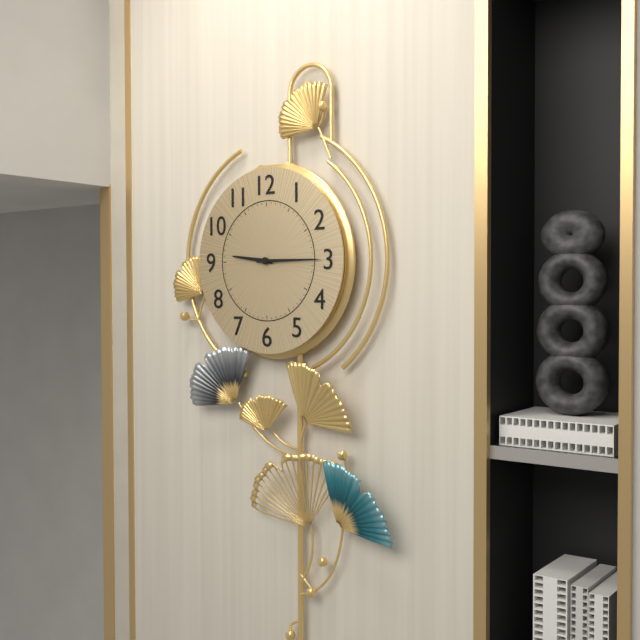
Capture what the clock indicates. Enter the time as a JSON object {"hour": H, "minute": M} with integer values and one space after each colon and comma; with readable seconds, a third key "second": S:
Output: {"hour": 9, "minute": 15}
